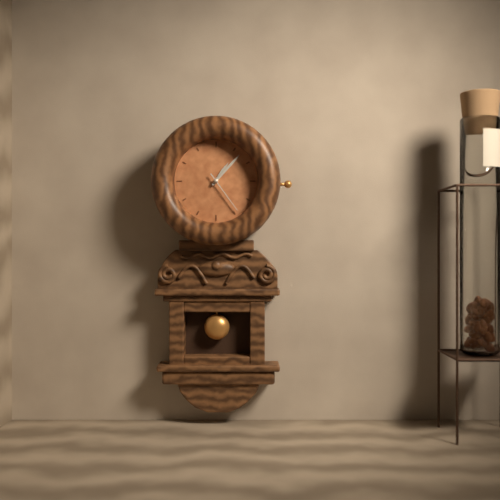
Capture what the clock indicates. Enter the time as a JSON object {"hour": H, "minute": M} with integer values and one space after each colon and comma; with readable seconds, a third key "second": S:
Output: {"hour": 1, "minute": 7}
